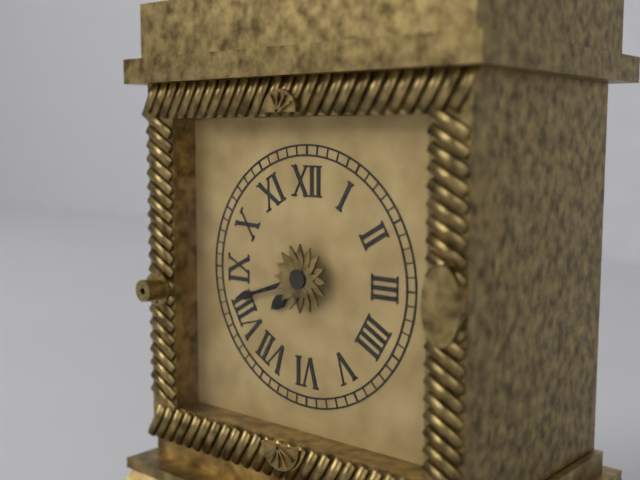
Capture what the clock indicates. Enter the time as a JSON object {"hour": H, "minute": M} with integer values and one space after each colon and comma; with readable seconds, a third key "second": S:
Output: {"hour": 7, "minute": 42}
